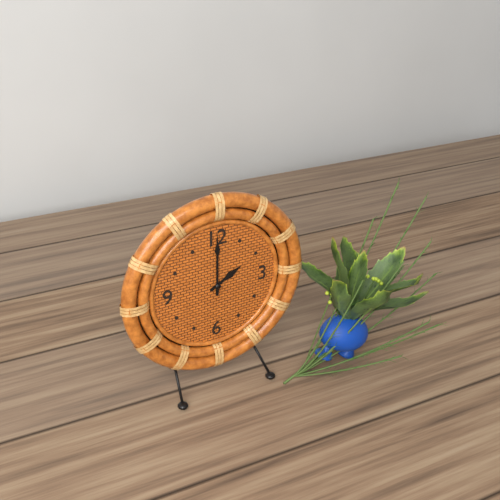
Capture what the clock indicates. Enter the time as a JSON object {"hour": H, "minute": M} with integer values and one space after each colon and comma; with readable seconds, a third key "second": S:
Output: {"hour": 2, "minute": 0}
